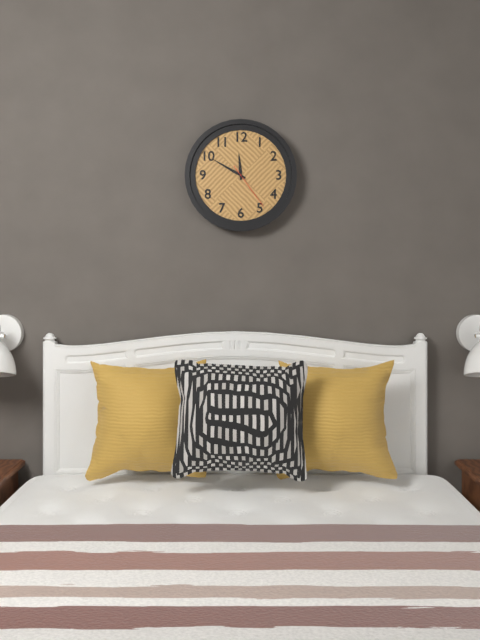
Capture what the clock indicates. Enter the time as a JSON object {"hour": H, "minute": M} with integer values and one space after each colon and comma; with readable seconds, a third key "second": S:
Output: {"hour": 11, "minute": 50, "second": 24}
